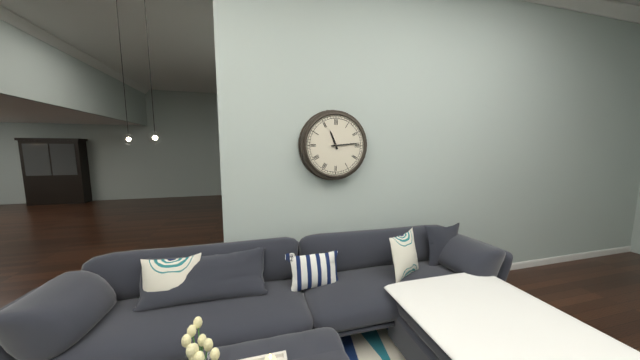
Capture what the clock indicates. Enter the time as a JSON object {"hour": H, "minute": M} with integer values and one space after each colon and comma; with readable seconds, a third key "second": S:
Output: {"hour": 11, "minute": 14}
